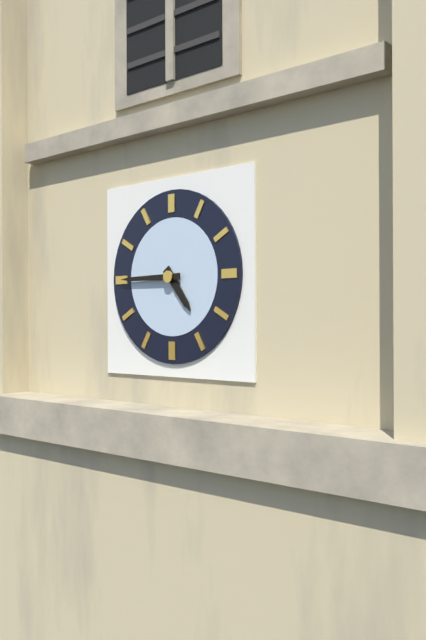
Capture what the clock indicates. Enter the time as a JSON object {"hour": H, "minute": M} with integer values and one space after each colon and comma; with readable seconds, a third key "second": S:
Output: {"hour": 4, "minute": 45}
